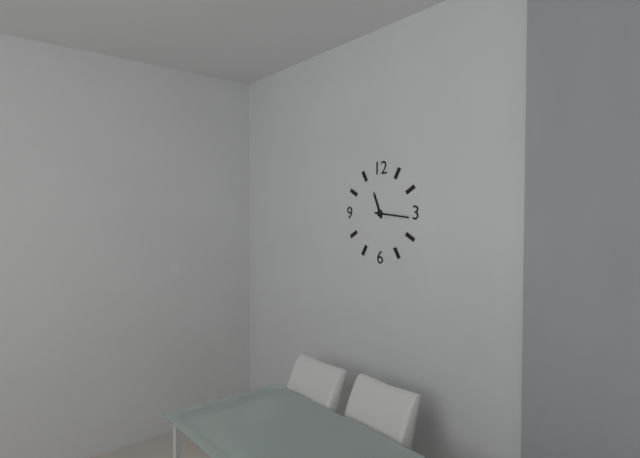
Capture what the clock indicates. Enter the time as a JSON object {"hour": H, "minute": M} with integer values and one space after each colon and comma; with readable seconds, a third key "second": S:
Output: {"hour": 11, "minute": 16}
